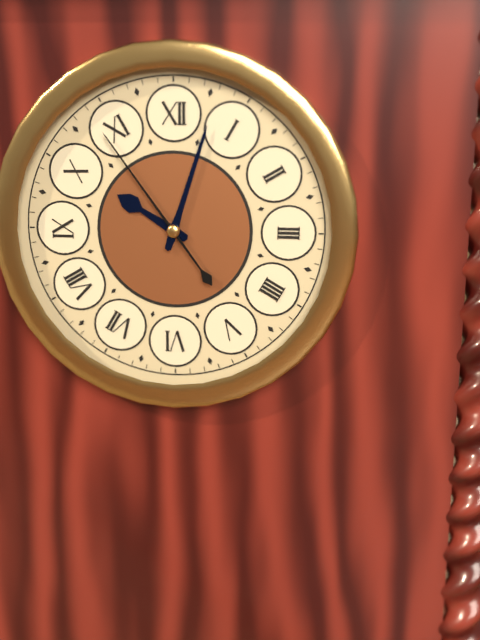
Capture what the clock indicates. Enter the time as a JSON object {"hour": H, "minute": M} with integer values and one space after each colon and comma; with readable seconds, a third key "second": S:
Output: {"hour": 10, "minute": 3, "second": 54}
